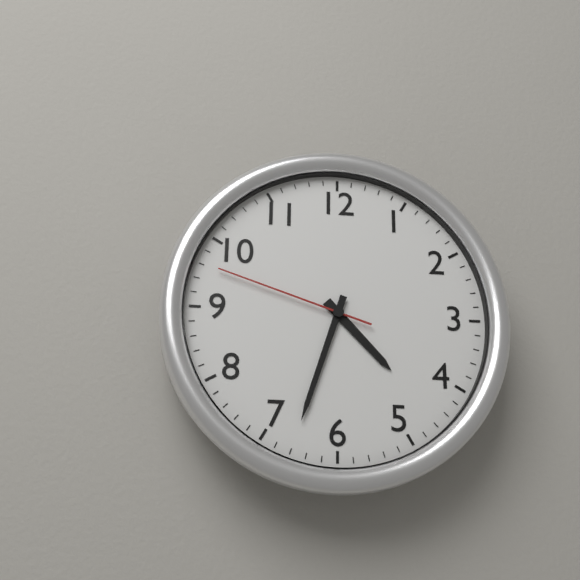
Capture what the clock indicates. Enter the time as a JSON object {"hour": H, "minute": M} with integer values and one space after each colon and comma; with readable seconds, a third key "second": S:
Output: {"hour": 4, "minute": 33, "second": 48}
